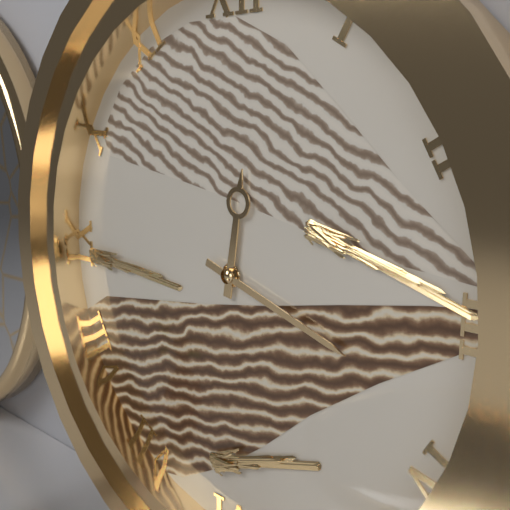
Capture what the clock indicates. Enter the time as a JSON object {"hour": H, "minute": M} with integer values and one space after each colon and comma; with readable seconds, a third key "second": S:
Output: {"hour": 12, "minute": 18}
